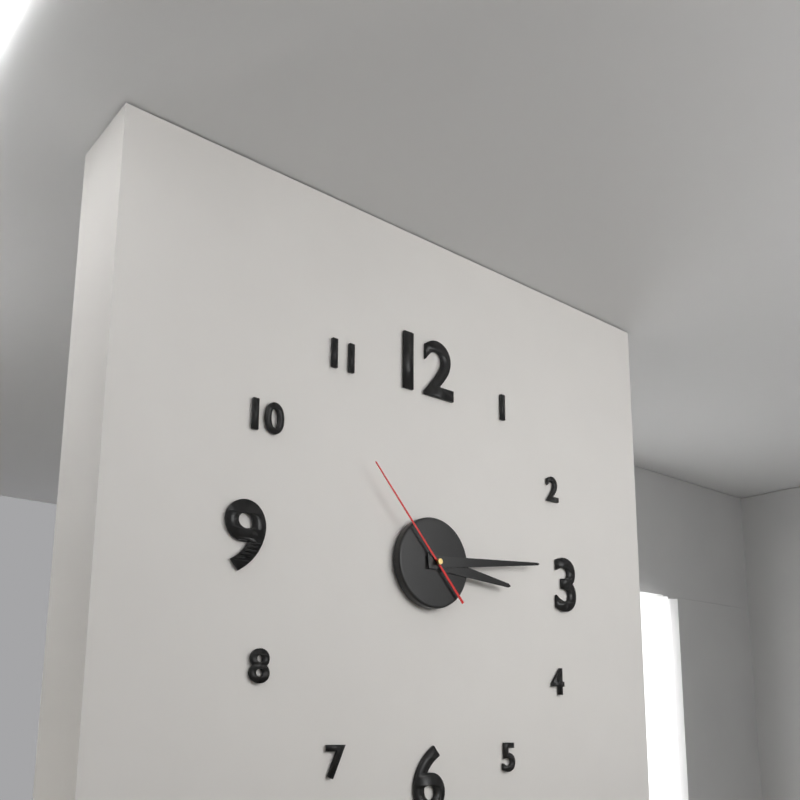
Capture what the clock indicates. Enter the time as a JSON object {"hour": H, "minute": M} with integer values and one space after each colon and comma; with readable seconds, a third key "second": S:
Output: {"hour": 3, "minute": 14, "second": 53}
